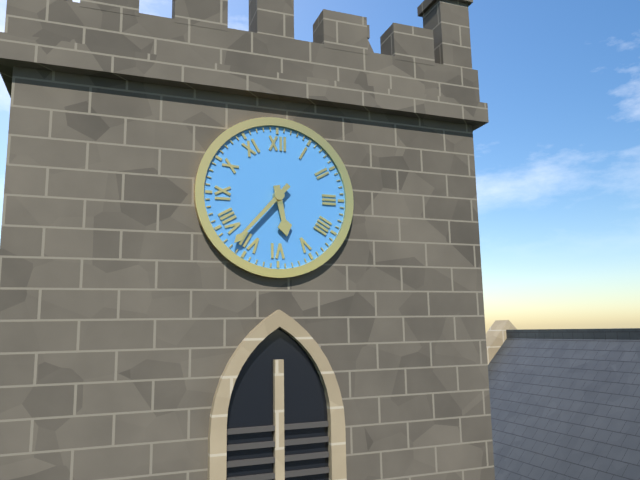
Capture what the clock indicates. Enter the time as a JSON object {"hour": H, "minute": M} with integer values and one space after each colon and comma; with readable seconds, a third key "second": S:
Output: {"hour": 5, "minute": 37}
